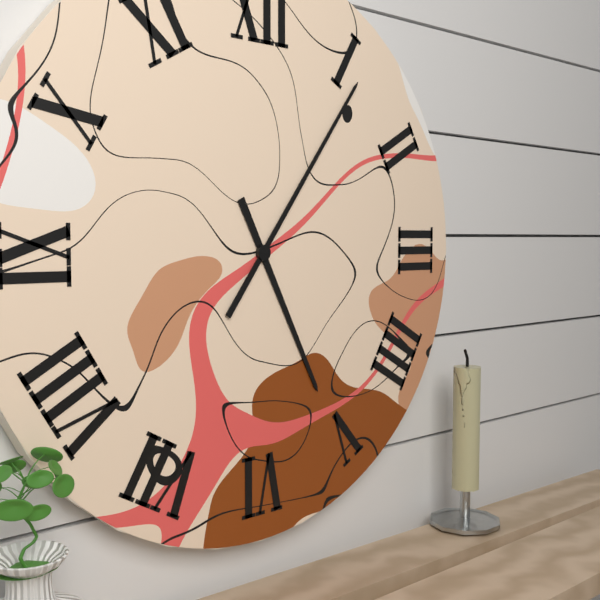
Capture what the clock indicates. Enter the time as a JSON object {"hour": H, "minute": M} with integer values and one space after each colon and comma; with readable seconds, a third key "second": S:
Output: {"hour": 5, "minute": 6}
